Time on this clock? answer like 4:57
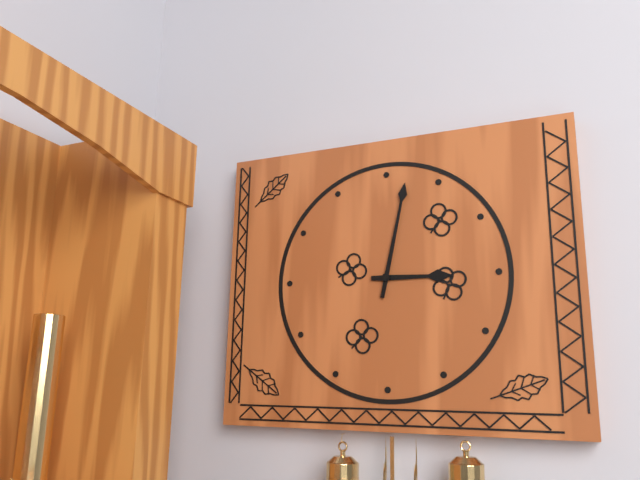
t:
3:02
